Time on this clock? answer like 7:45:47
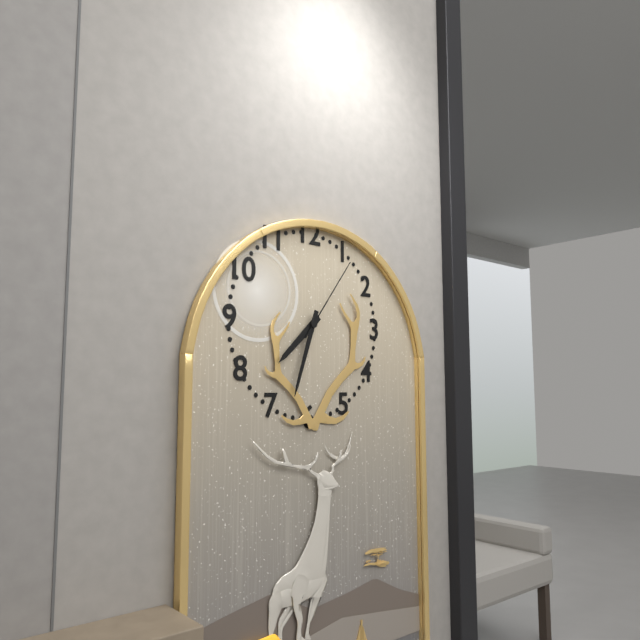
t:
7:33:06
